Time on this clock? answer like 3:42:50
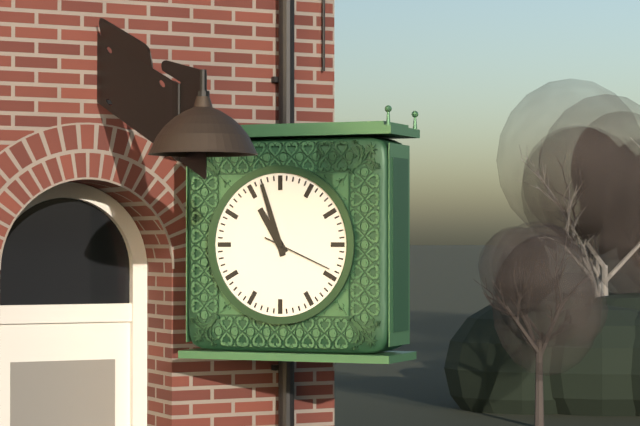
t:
10:57:19
